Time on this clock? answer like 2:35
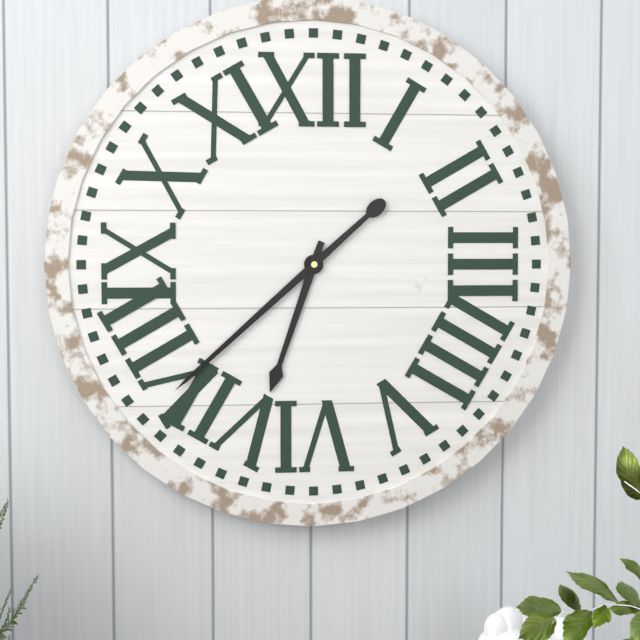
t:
6:38
